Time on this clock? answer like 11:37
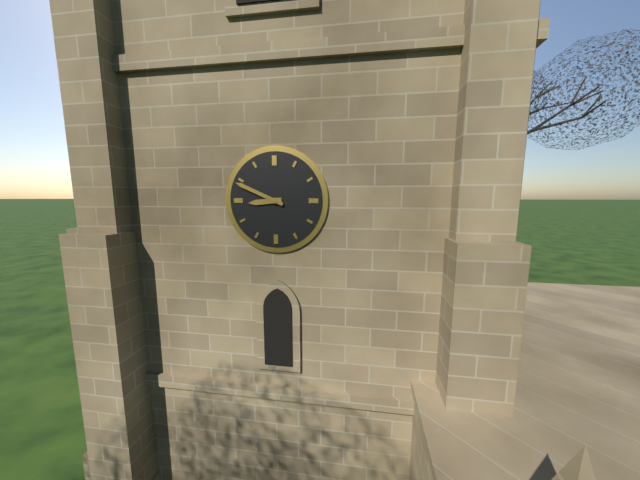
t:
8:49
